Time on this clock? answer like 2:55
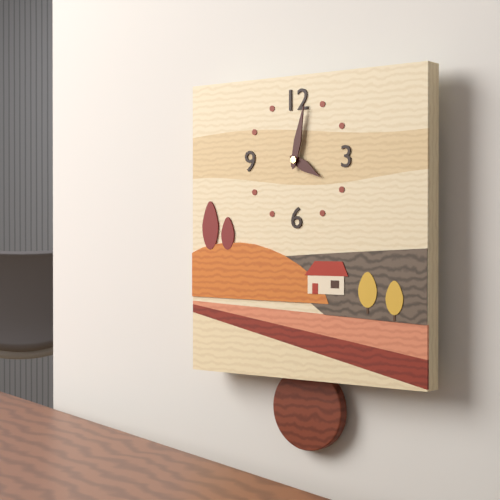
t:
4:02
